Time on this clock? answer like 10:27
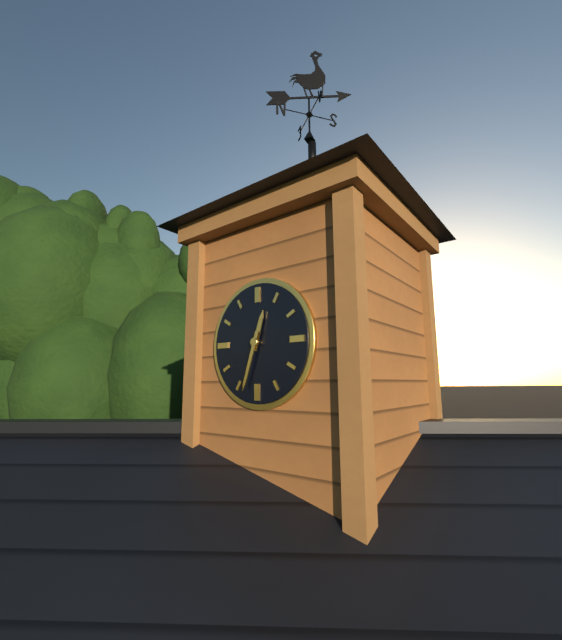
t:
12:33
